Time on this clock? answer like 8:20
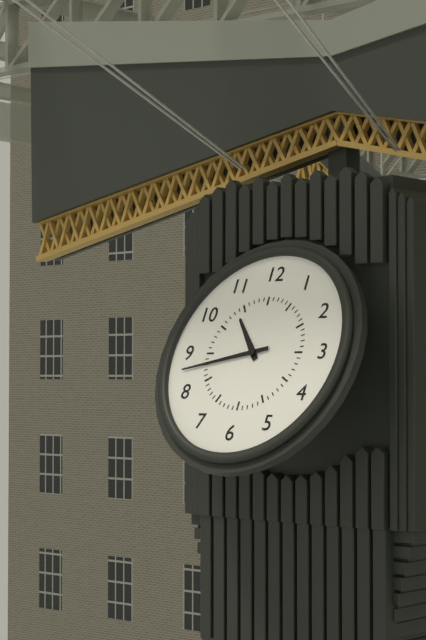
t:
10:43
